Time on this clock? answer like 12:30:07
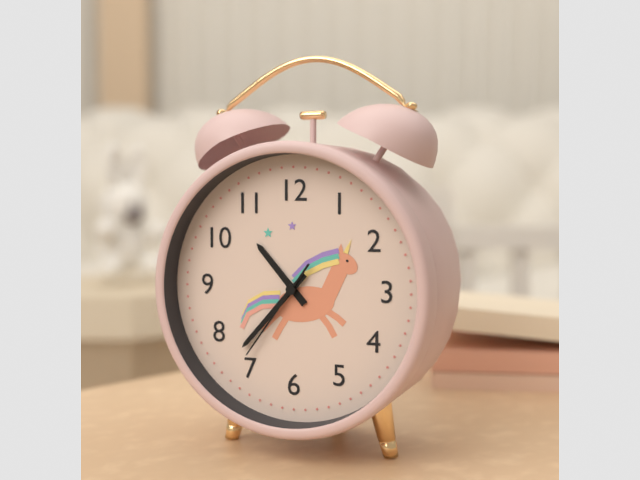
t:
10:37:36
